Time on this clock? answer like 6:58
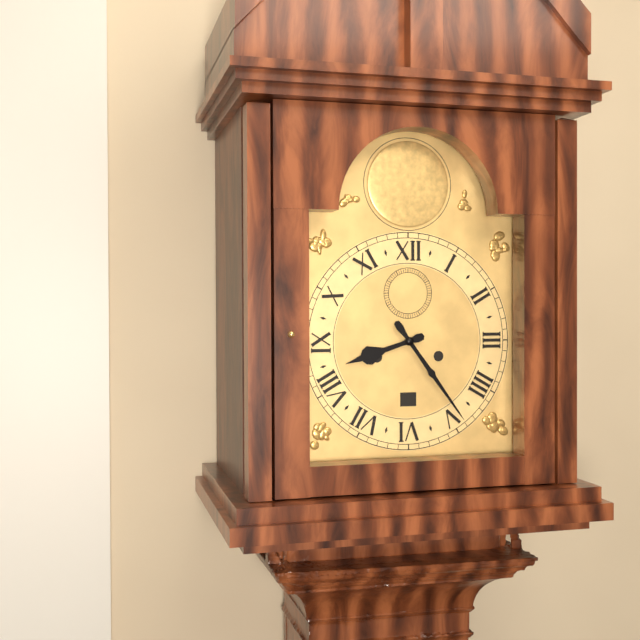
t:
8:24
